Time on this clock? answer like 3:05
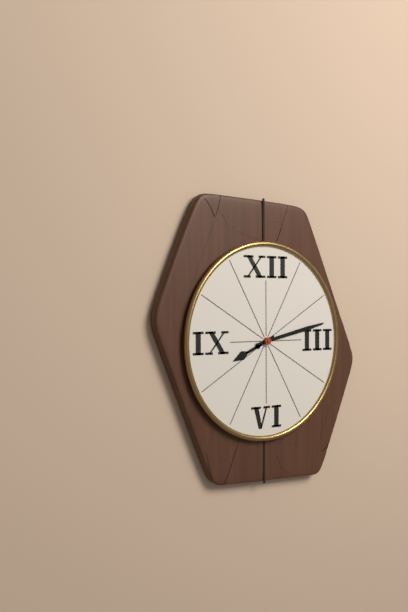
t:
8:13
